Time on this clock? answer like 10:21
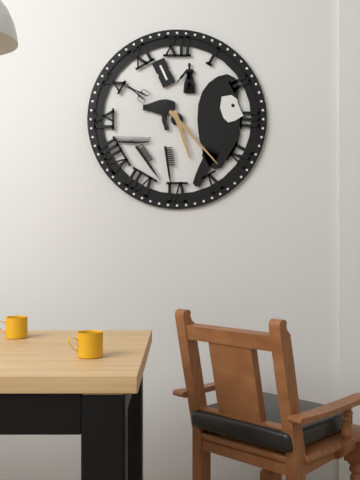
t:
5:23
